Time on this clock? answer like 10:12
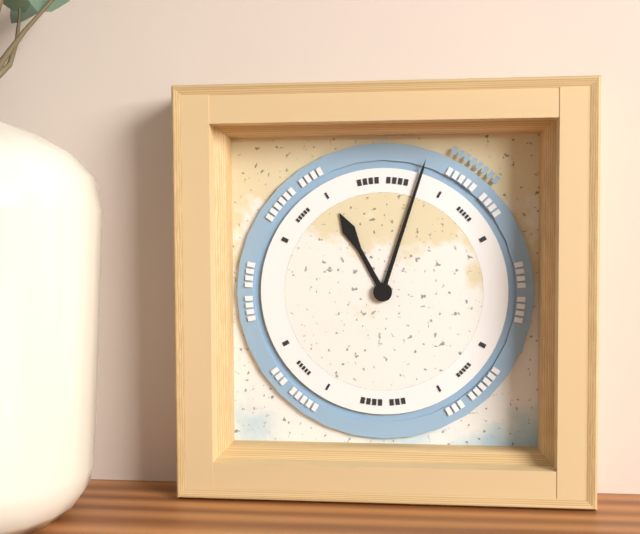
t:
11:03
